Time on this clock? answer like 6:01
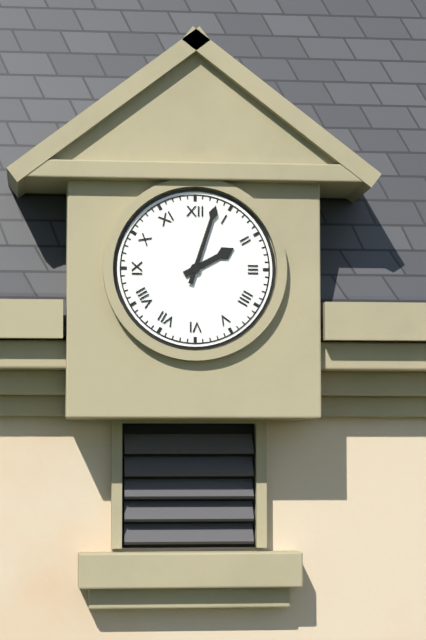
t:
2:03
